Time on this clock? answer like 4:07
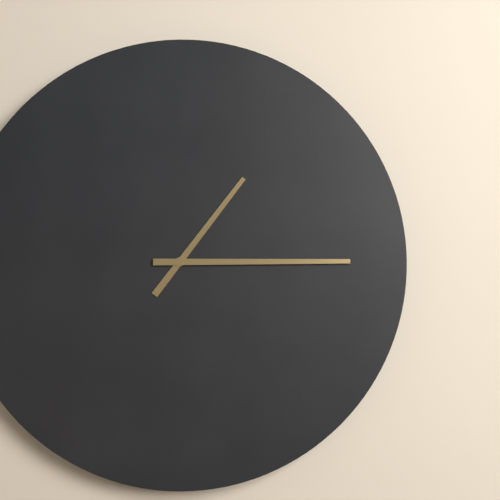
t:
1:15
